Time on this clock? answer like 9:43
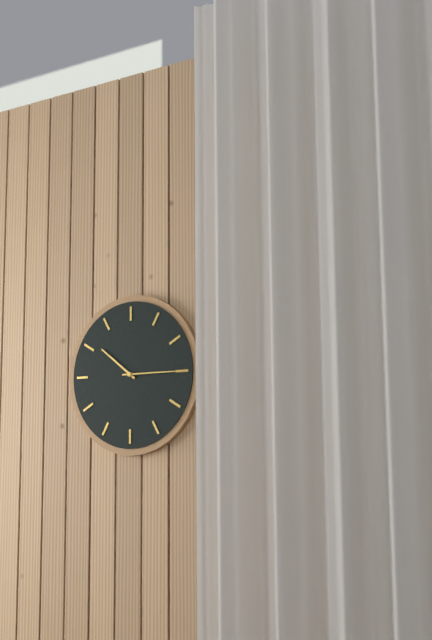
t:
10:15
